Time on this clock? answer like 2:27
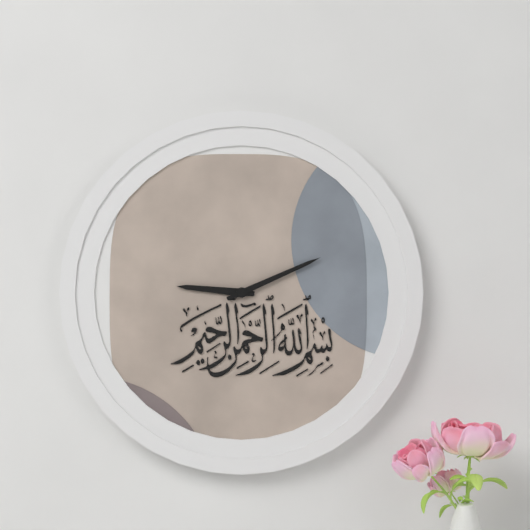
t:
9:11
